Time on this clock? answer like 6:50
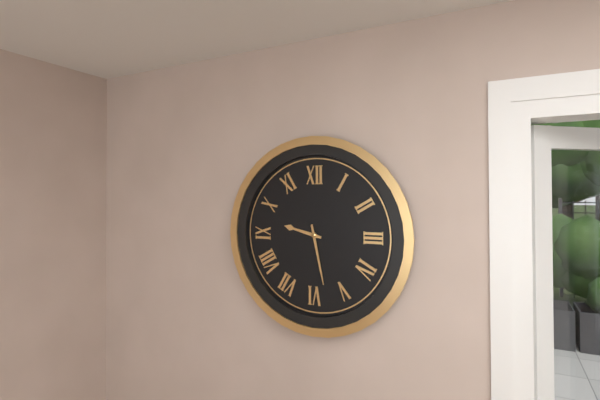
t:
9:28
